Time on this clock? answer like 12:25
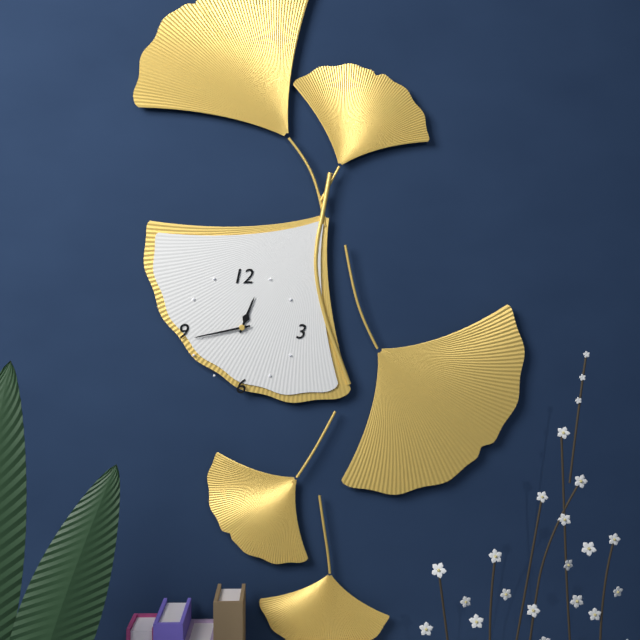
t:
12:43
